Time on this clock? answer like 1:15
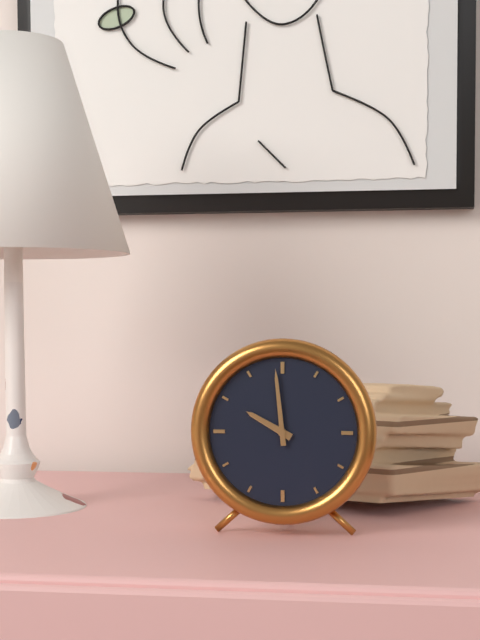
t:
9:59
